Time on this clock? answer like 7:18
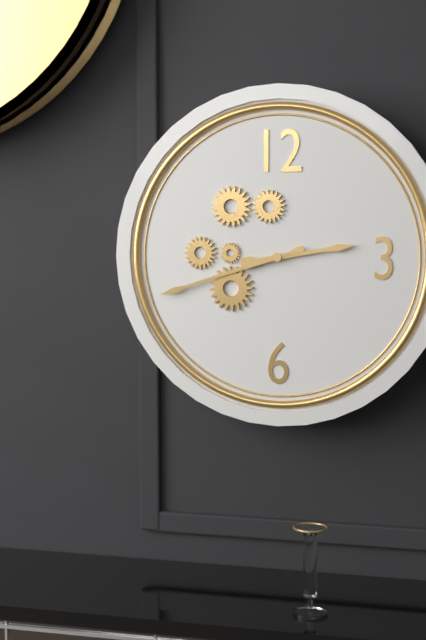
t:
2:42
